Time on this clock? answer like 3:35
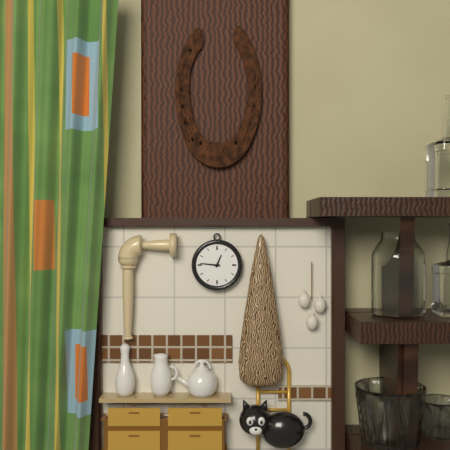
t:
12:46
